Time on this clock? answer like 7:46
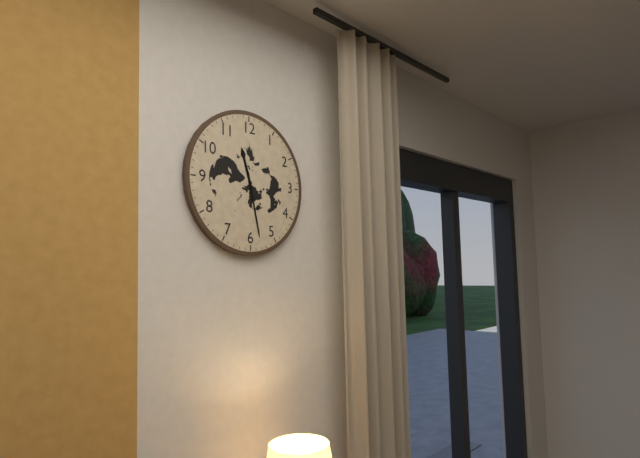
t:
11:28
